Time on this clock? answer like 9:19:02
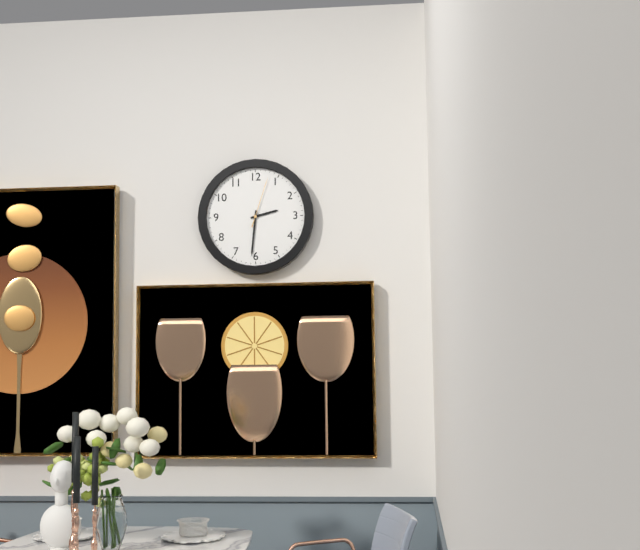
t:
2:31:03
